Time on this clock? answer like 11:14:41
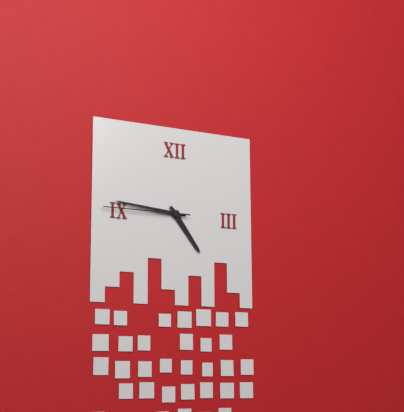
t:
4:46:45
